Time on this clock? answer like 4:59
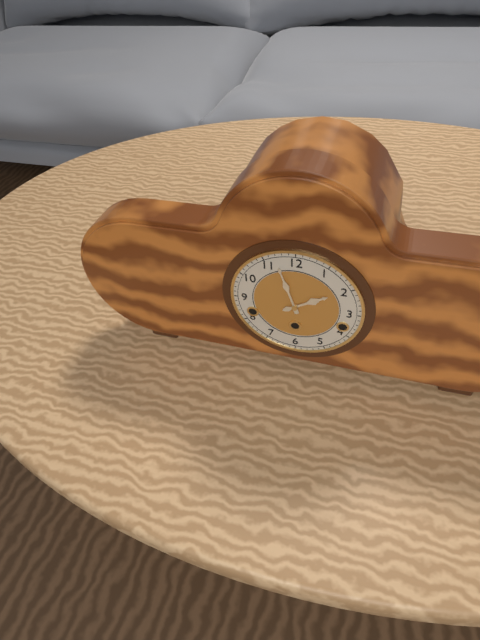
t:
1:57
